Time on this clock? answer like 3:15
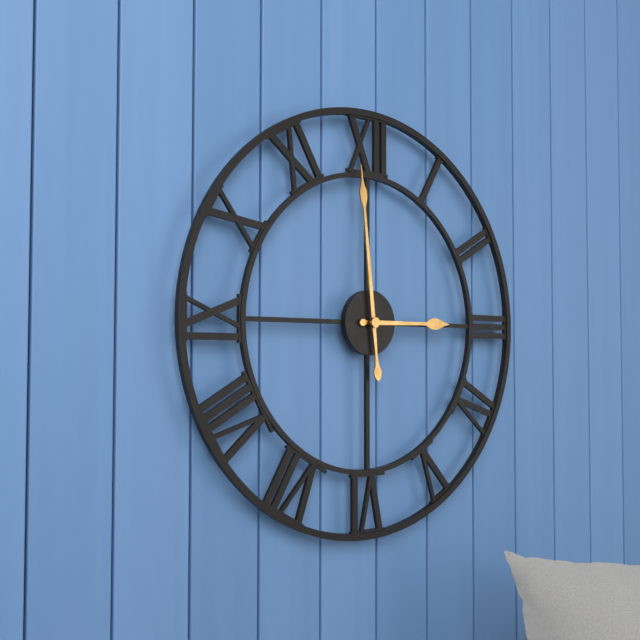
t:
2:59
